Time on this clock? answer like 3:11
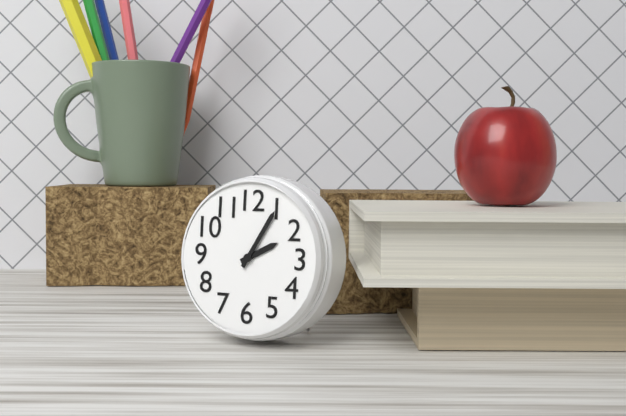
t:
2:05
